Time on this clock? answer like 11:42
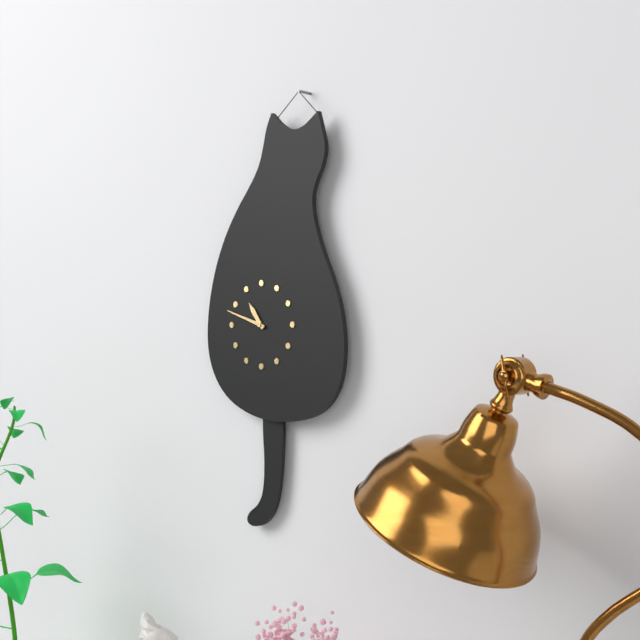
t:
10:48
